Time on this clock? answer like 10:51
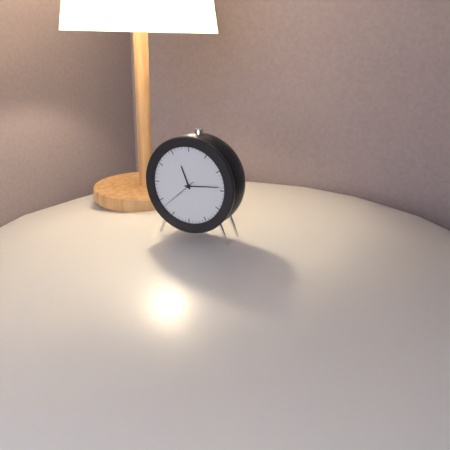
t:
11:14
